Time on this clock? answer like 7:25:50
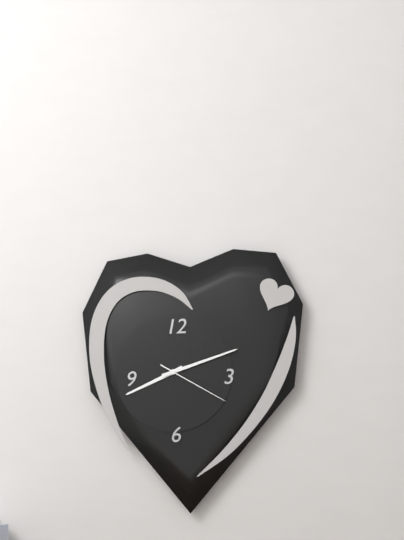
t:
8:12:20
